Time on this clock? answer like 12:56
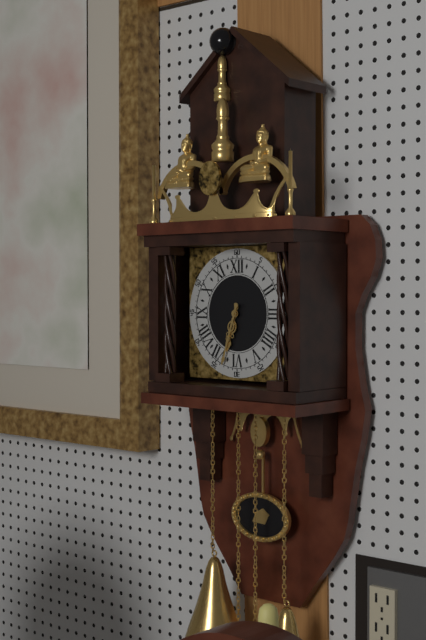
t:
6:33
